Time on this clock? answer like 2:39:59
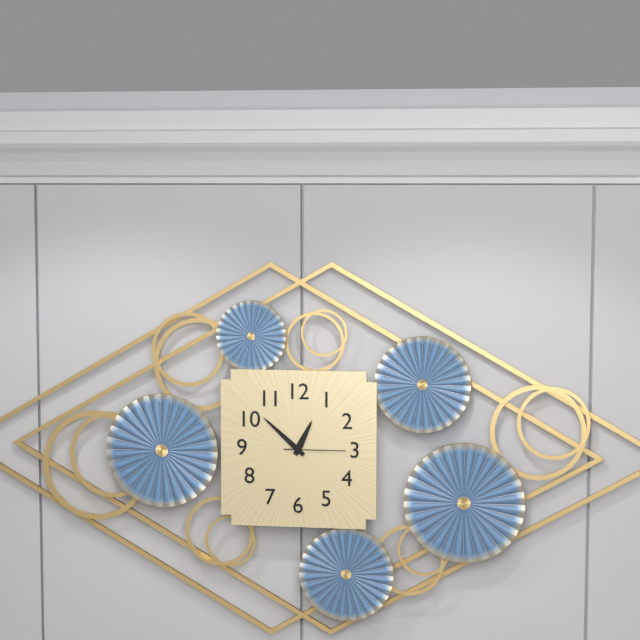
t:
12:52:15
